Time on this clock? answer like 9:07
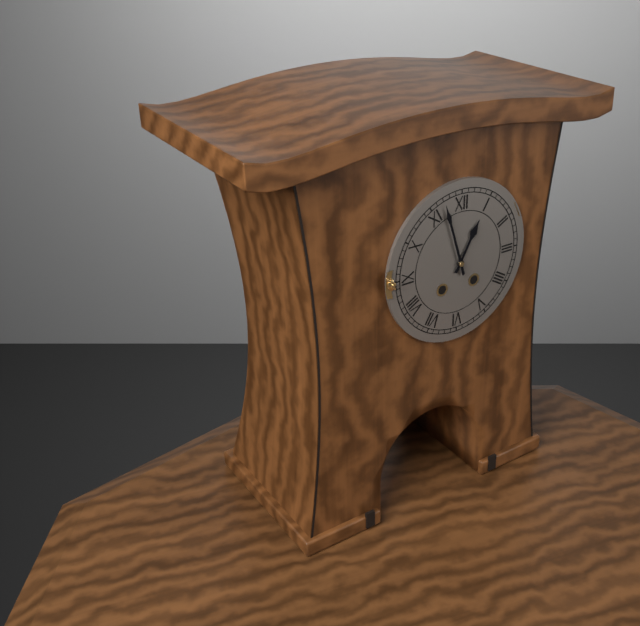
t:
12:57
